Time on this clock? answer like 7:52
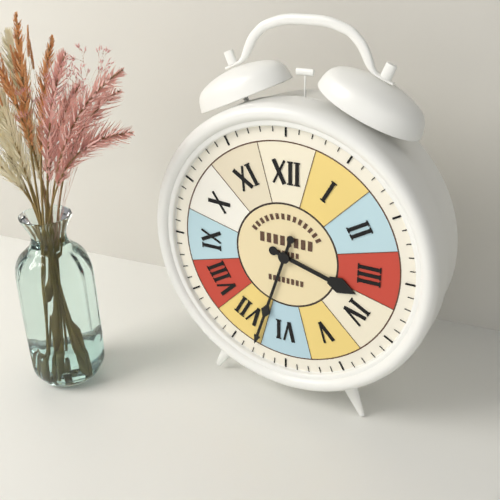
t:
3:33
